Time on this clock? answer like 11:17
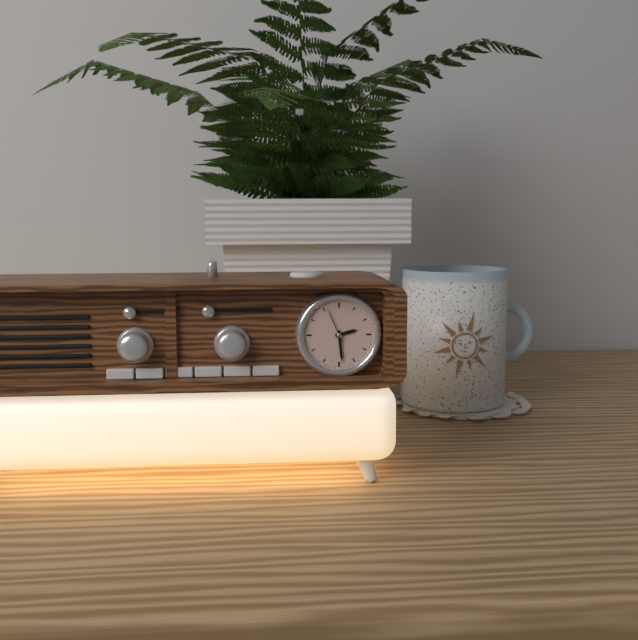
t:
2:29
